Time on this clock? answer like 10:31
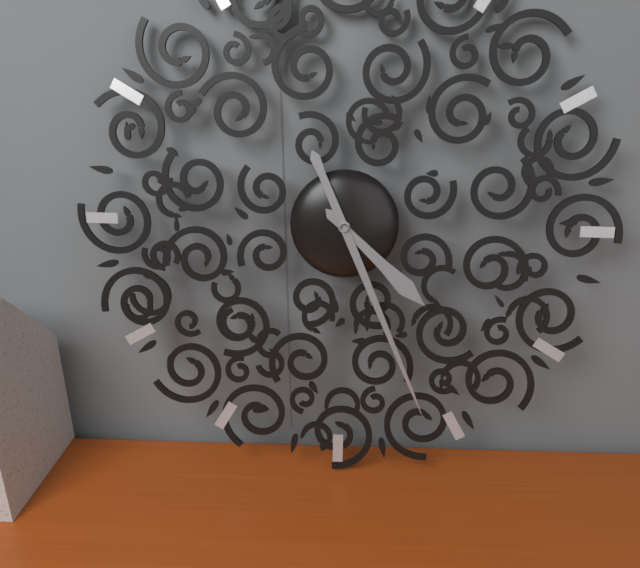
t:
4:26
